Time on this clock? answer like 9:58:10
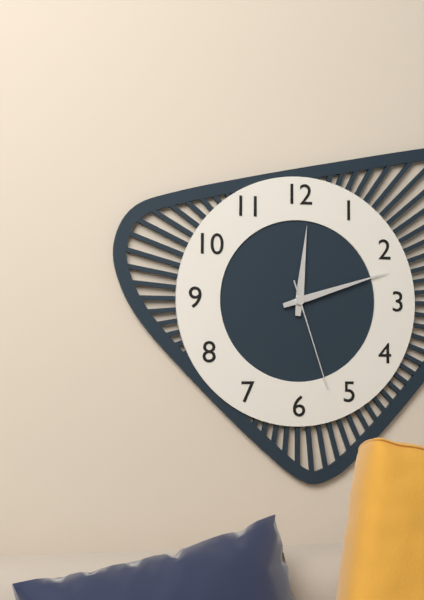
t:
12:12:27
